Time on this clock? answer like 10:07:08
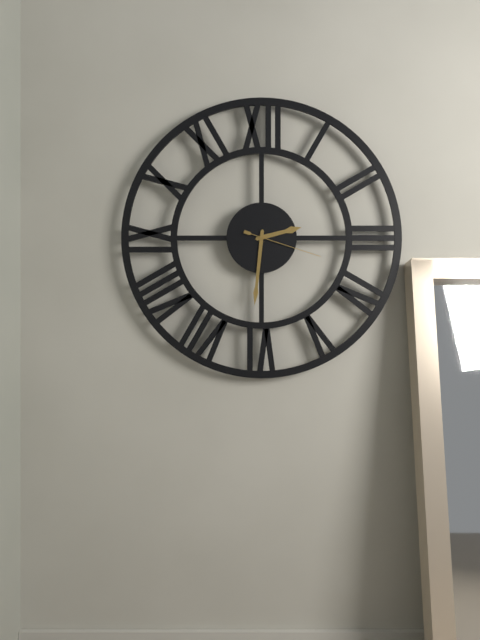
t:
2:31:18
